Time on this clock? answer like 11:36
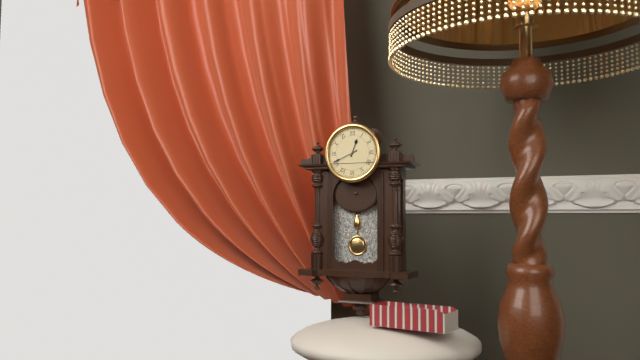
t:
12:41
